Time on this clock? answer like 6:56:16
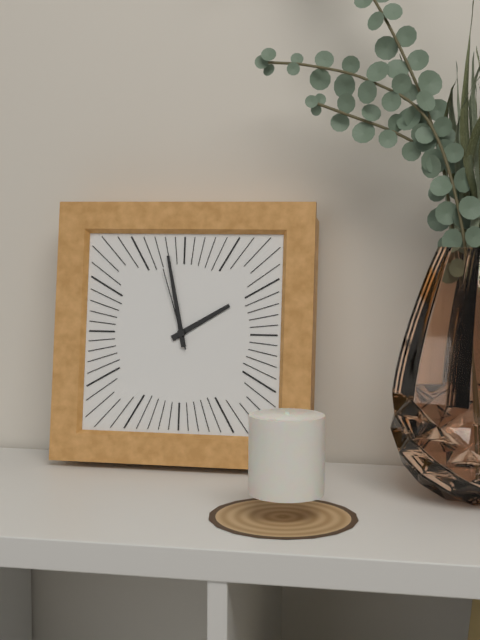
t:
1:58:57
